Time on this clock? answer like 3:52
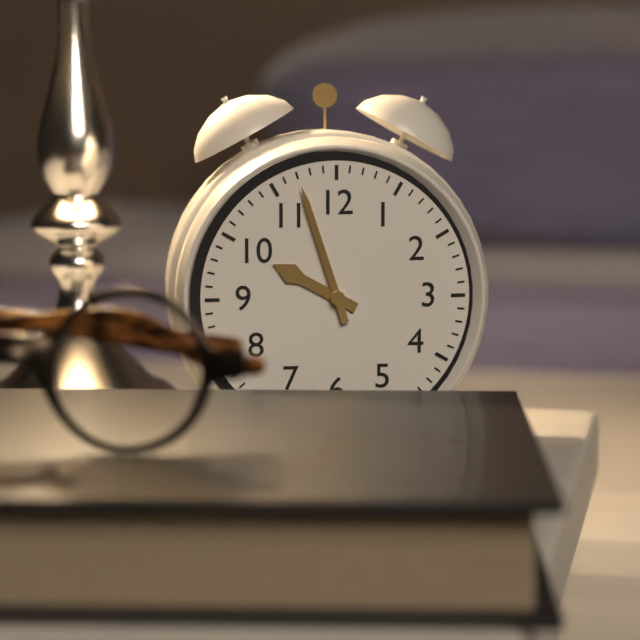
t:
9:57
